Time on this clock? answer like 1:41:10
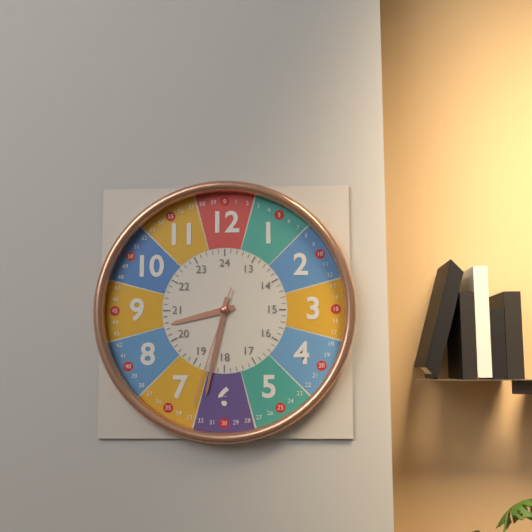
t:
8:32:33
